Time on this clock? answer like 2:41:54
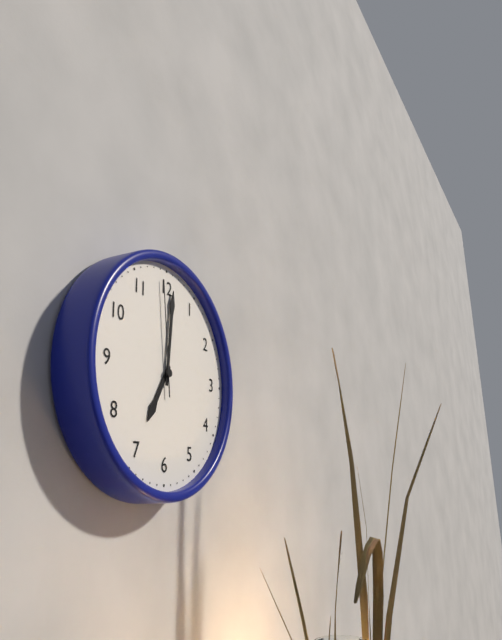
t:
7:01:59
